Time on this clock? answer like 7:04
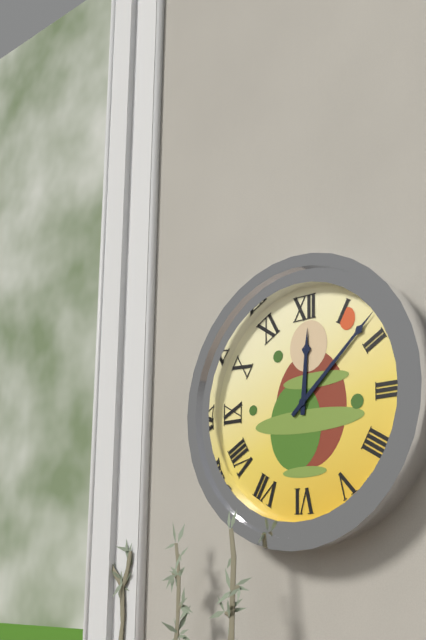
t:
12:08
